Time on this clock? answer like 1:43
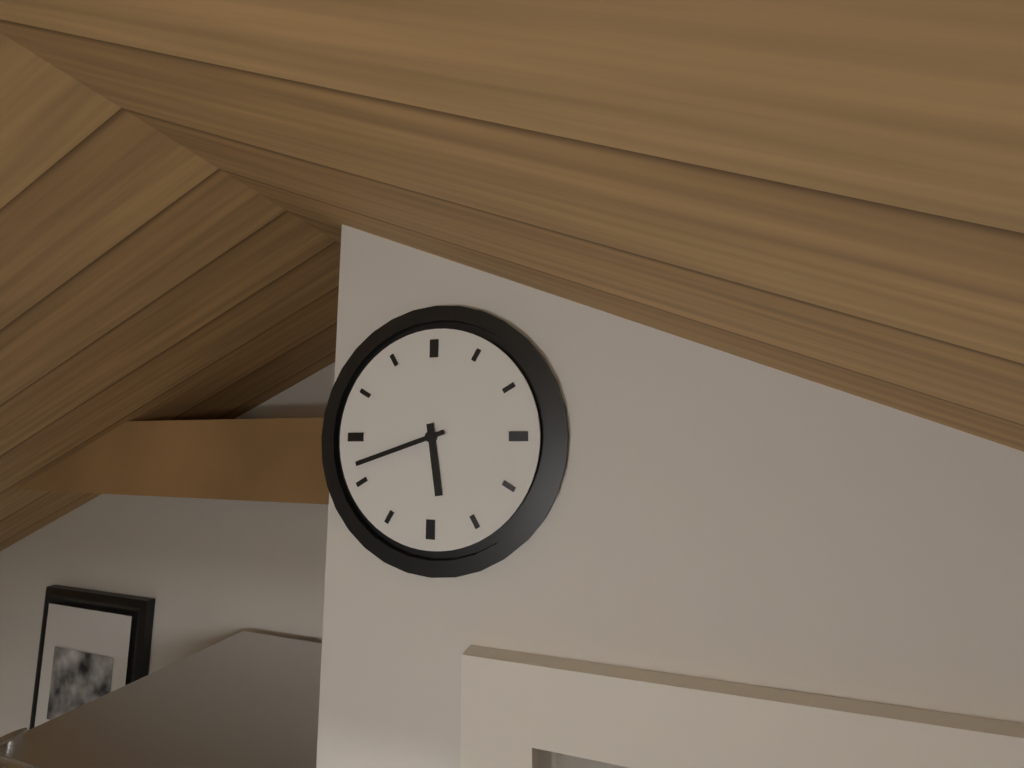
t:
5:42
